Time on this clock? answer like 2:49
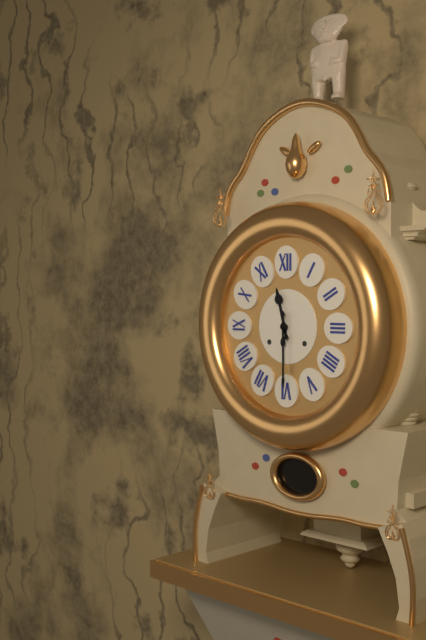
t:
11:30
